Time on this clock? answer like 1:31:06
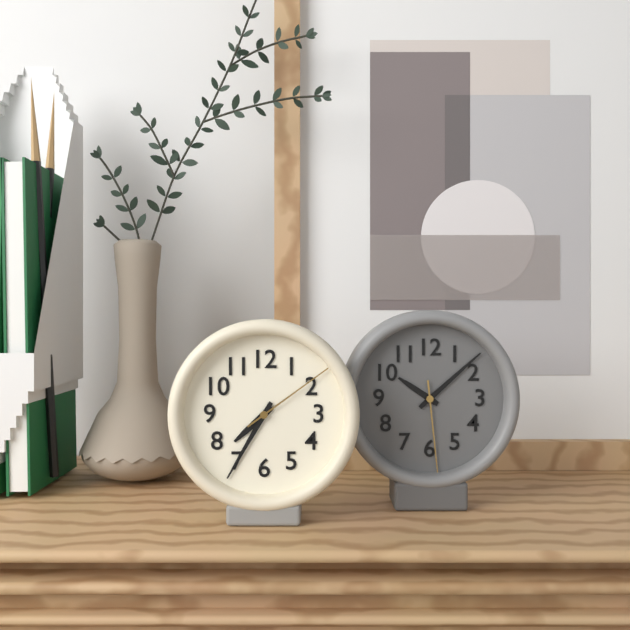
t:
7:35:09
